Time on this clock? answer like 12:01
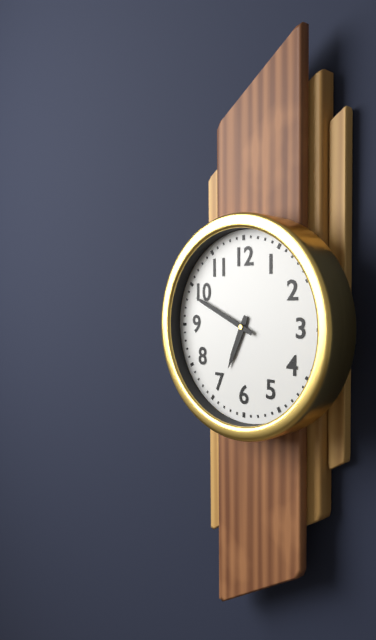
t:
6:49
